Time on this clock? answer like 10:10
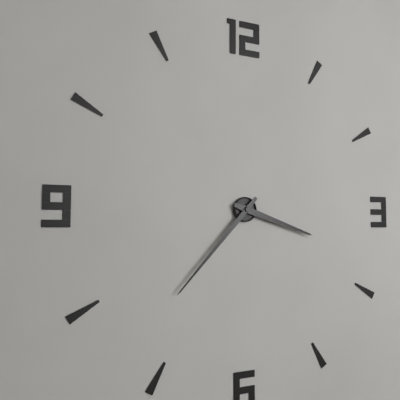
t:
3:37
